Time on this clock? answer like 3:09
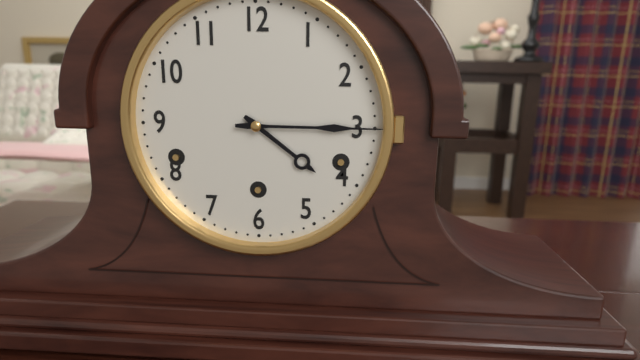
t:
4:15
